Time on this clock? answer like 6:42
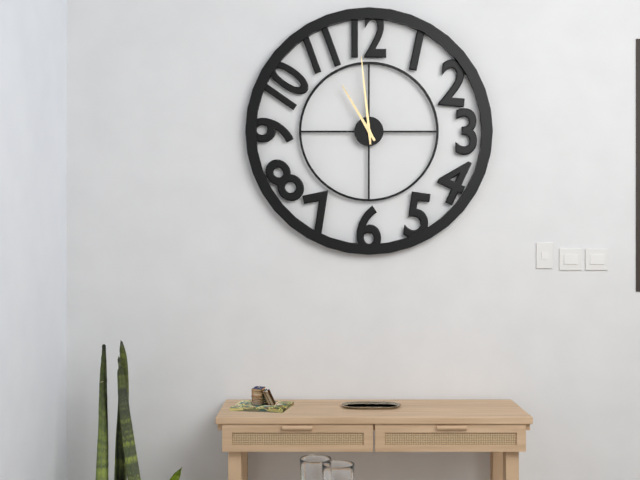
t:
10:59
